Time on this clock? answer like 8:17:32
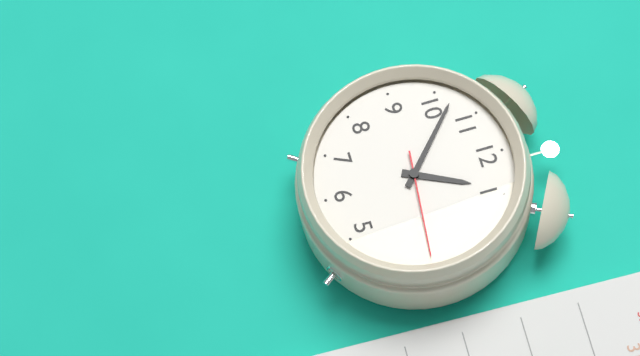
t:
12:52:16
